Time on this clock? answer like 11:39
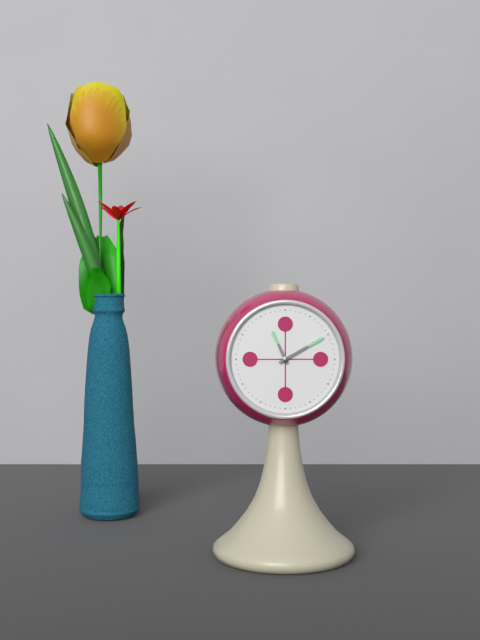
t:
11:10
